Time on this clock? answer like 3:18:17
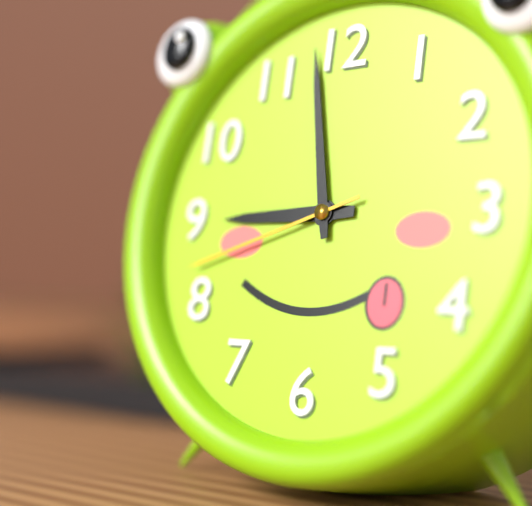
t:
8:58:42
